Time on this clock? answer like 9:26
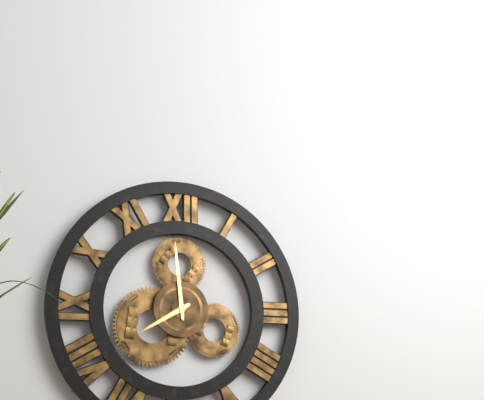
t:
7:59
